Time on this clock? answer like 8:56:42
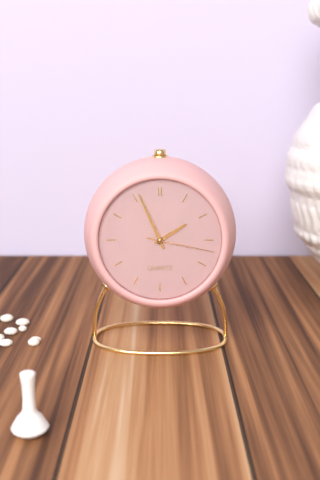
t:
1:56:17
